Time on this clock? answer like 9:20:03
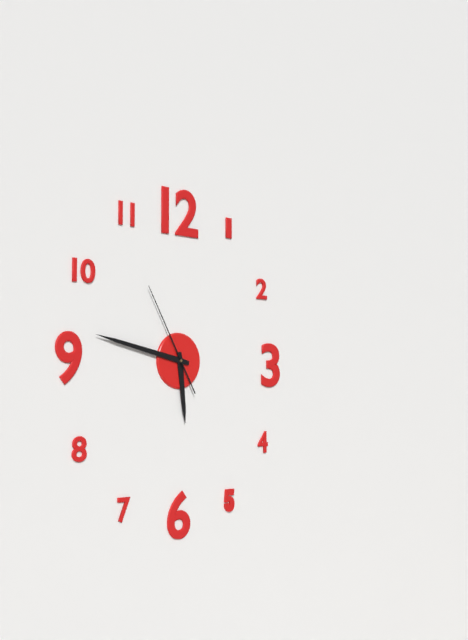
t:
5:47:55
